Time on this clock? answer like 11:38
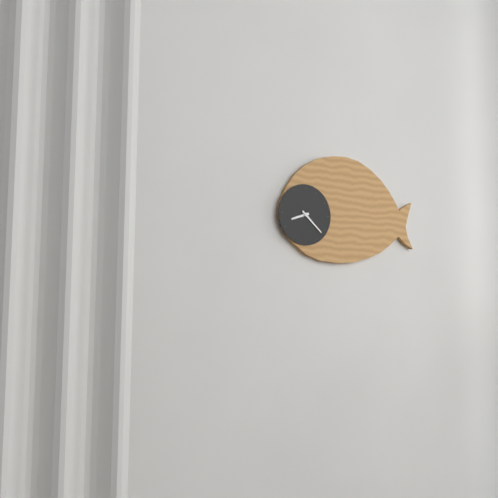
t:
8:22
